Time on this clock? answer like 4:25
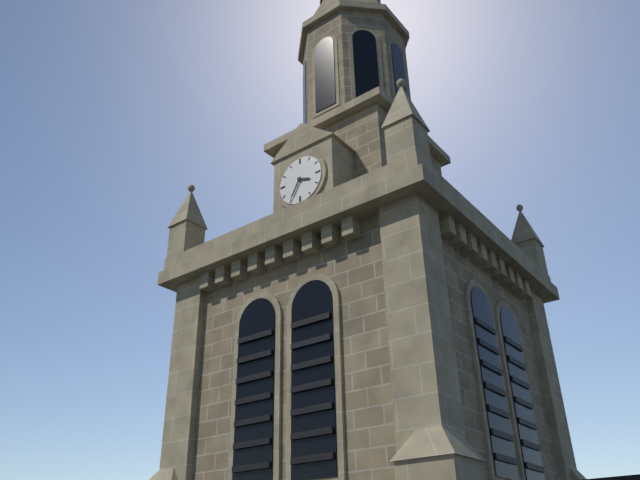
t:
3:35
